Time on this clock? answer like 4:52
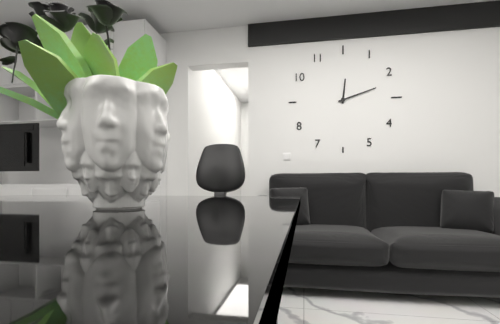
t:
12:12
